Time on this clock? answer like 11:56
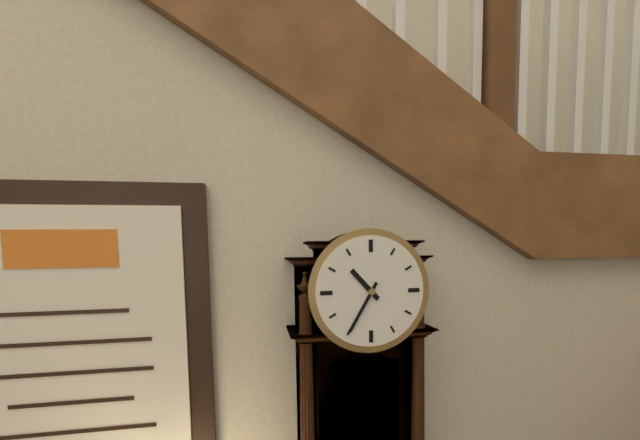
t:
10:35
